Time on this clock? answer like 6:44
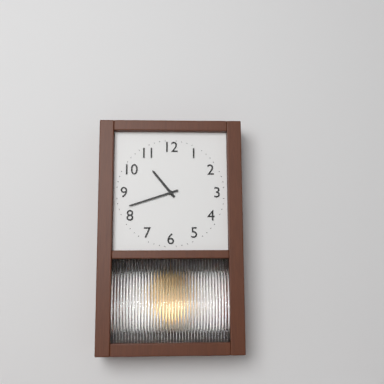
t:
10:42
